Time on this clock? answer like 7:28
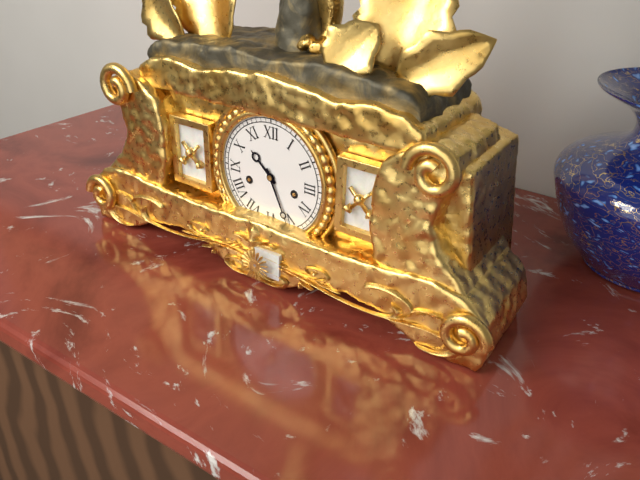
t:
10:26
